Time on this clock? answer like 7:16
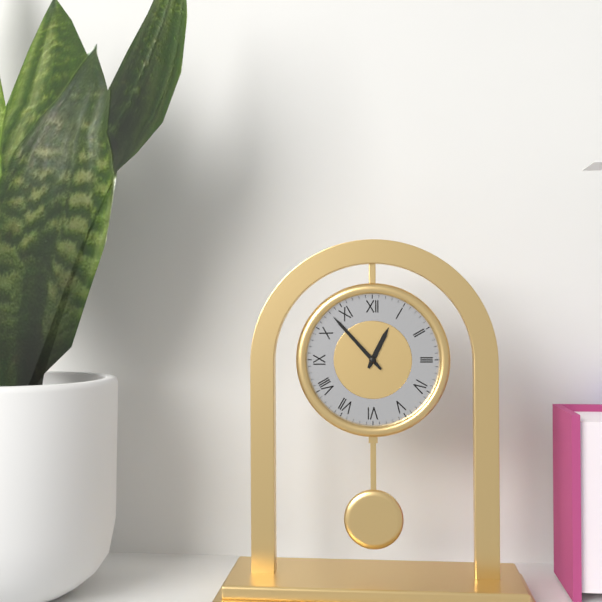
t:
12:53
